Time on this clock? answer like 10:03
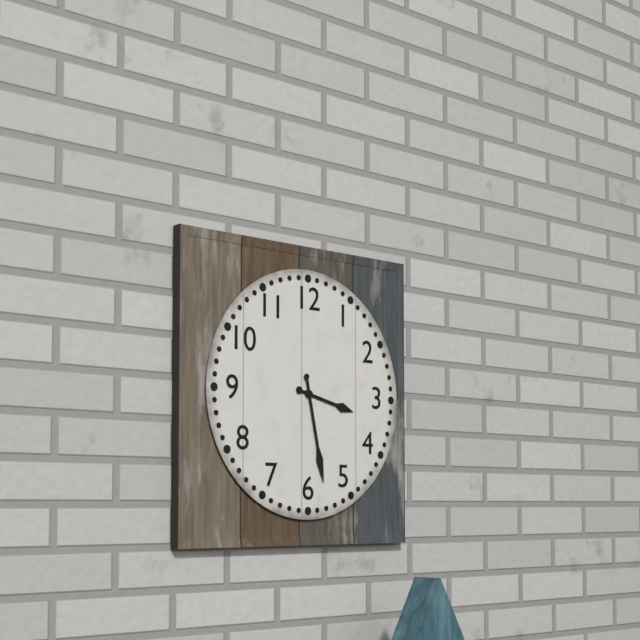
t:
3:28
